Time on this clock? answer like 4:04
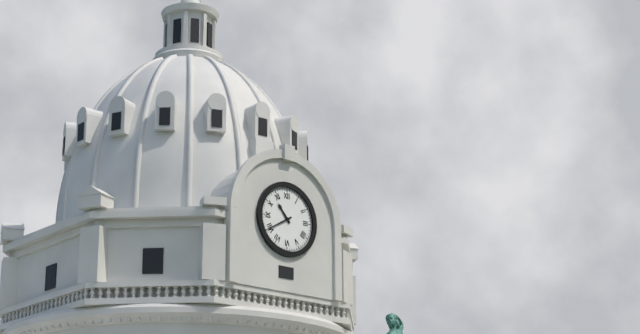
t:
10:40
